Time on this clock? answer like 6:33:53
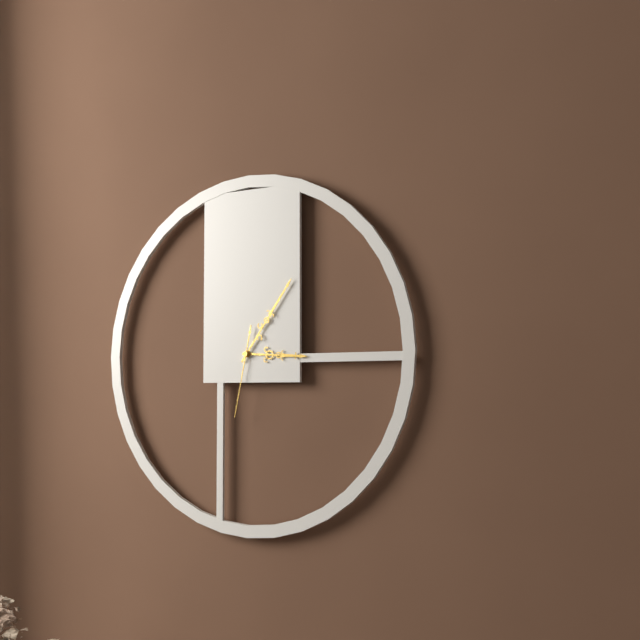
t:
3:06:32
